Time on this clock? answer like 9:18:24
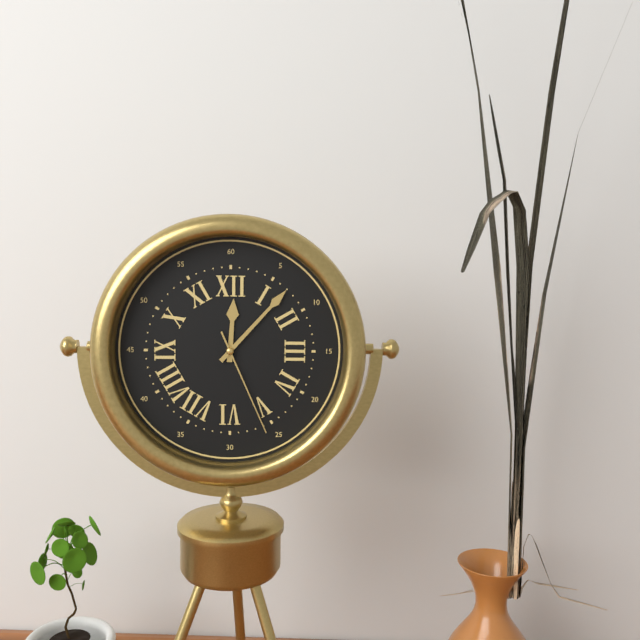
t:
12:07:26
